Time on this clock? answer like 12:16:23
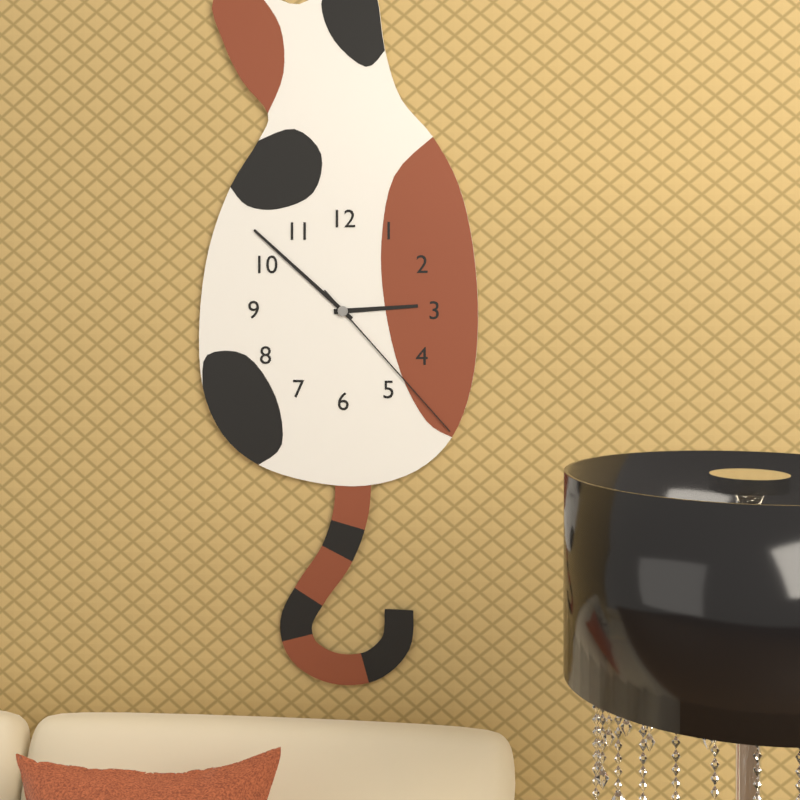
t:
2:52:23
